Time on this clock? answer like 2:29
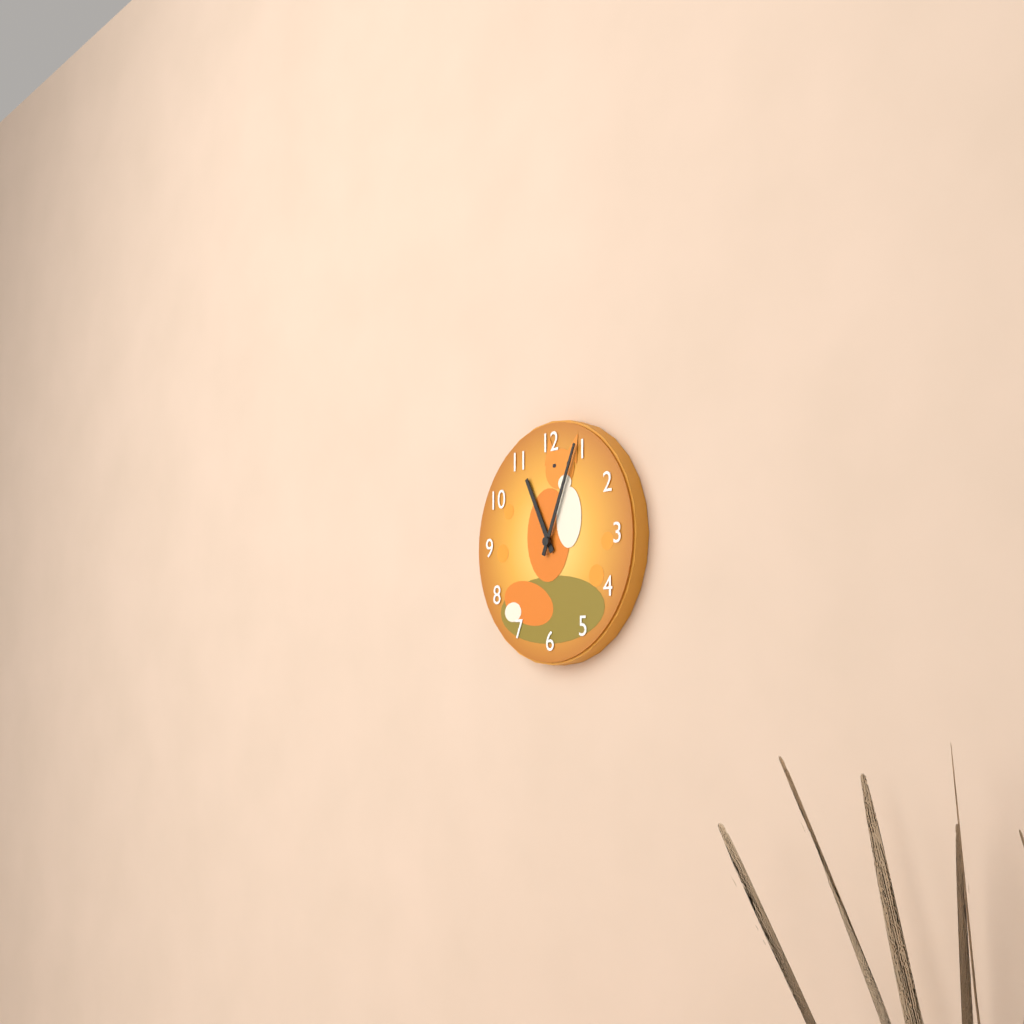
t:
11:04
